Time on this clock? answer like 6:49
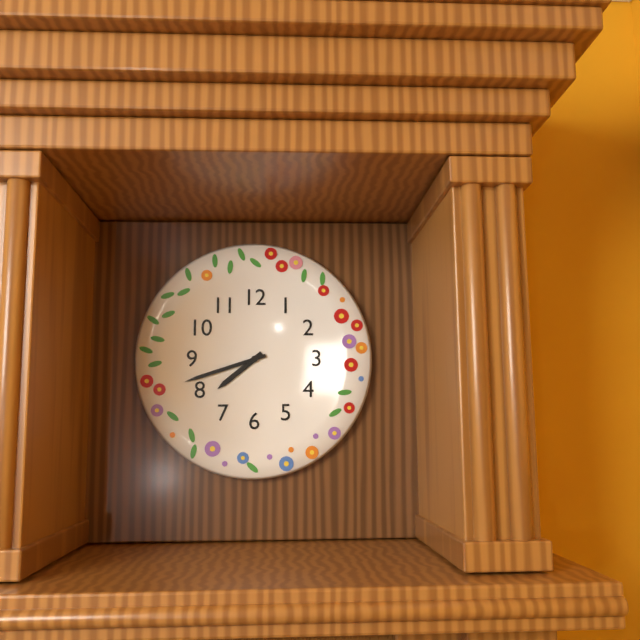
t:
7:42
